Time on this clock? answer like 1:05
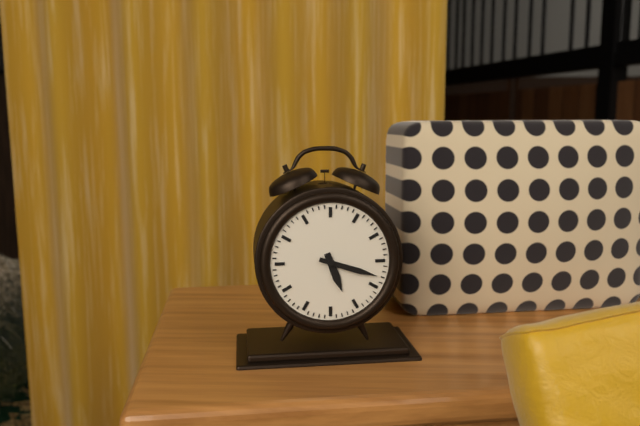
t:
5:18
